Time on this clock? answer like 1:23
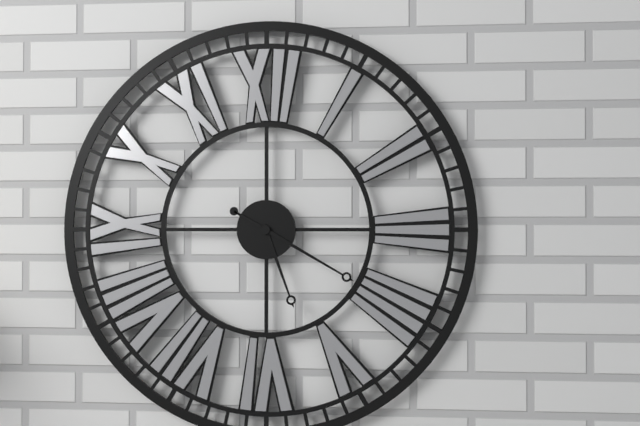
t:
5:20
